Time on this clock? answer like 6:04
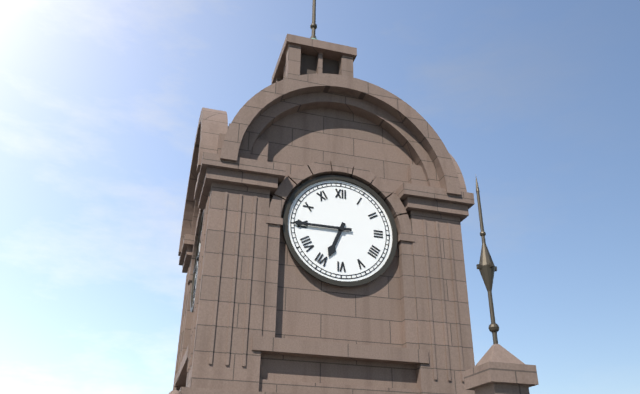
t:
6:45
